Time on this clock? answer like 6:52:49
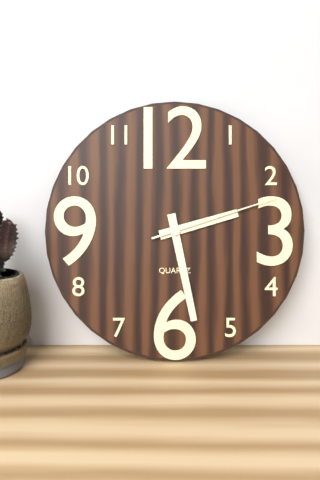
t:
2:28:12
